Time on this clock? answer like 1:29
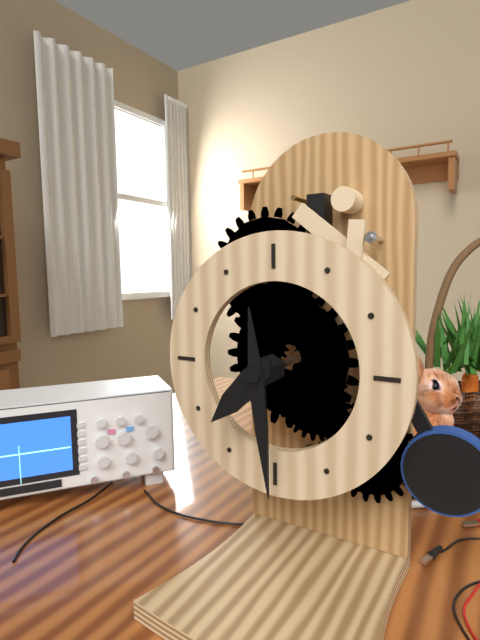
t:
7:29
